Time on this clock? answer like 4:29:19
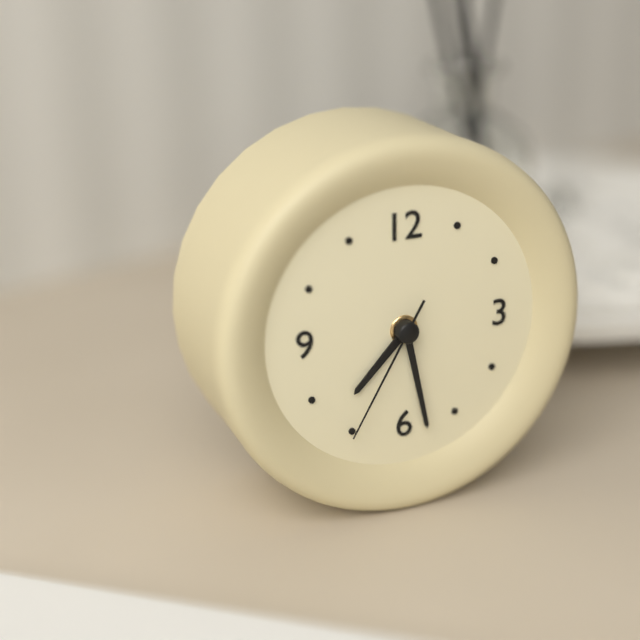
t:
7:28:35
